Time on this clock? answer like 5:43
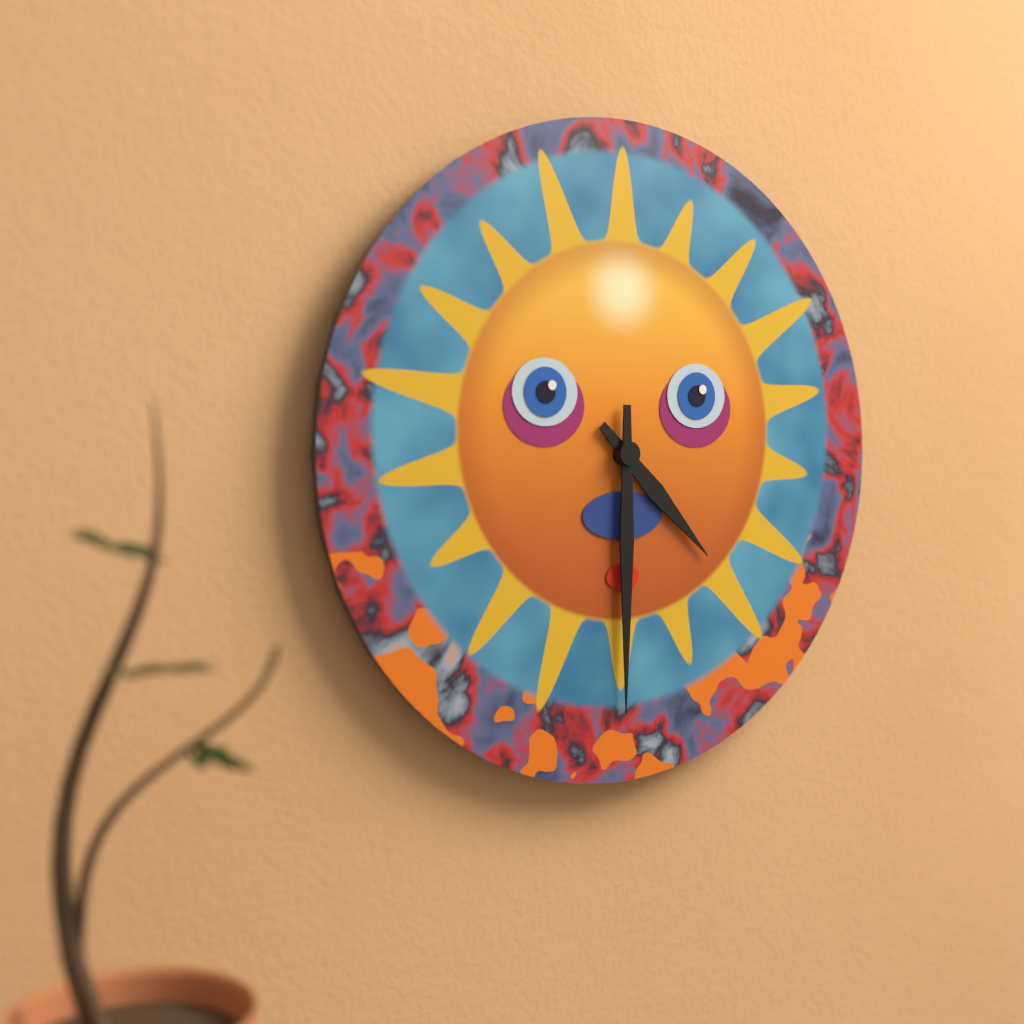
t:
4:30
